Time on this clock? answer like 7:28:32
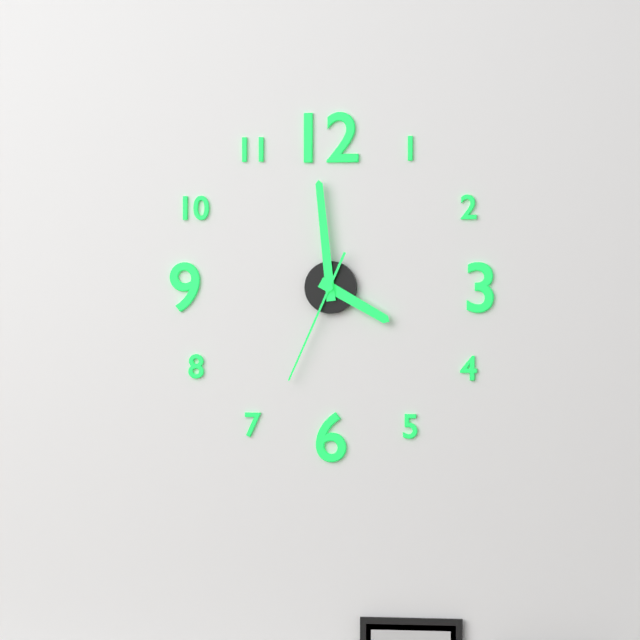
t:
3:59:34
